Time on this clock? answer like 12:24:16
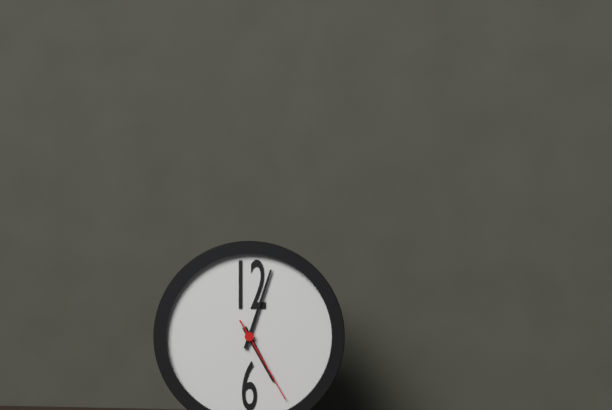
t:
5:03:25
